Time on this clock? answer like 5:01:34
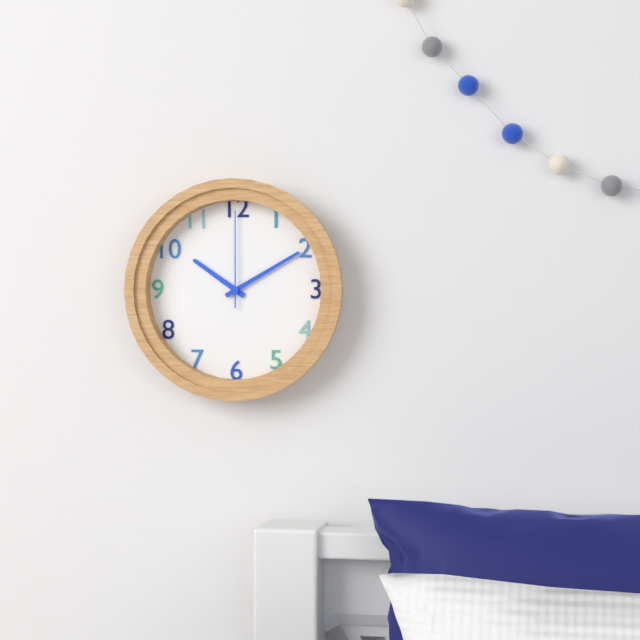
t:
10:10:00
